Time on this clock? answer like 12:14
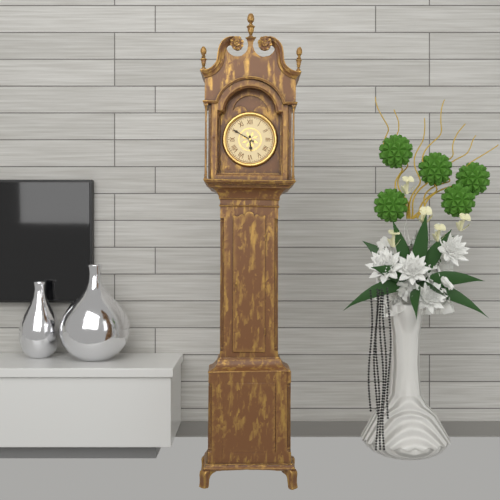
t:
5:50
